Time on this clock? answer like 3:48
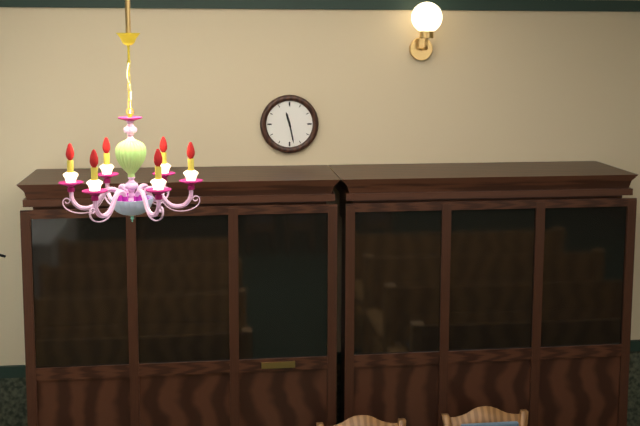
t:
11:28
